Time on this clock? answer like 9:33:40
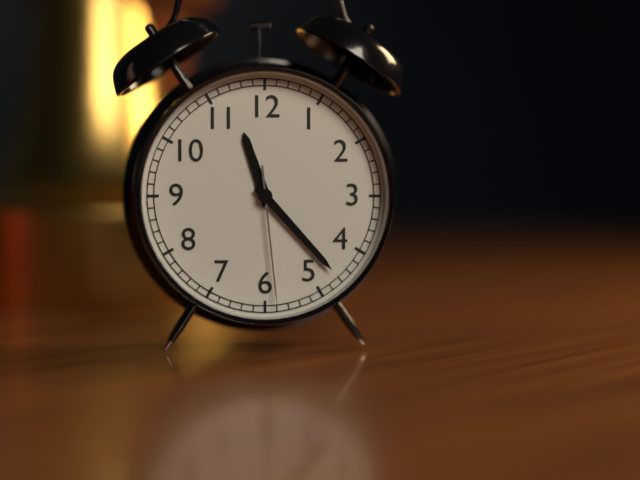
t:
11:23:29
